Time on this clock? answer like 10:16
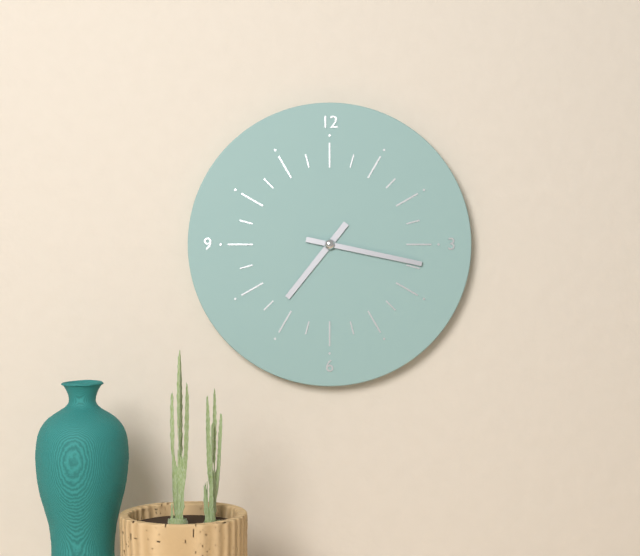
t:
7:17
